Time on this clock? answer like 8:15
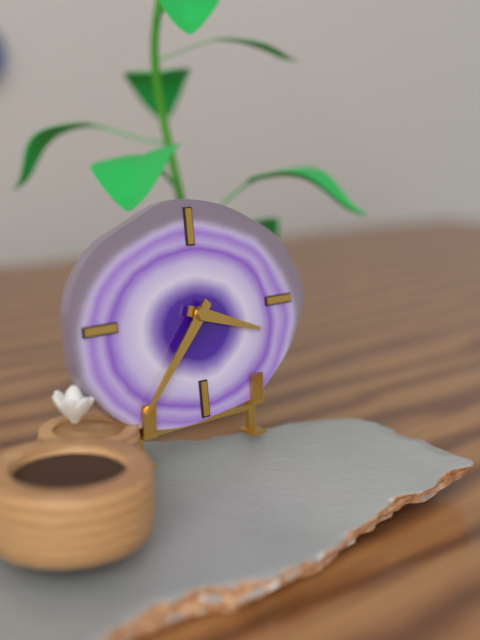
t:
3:37
